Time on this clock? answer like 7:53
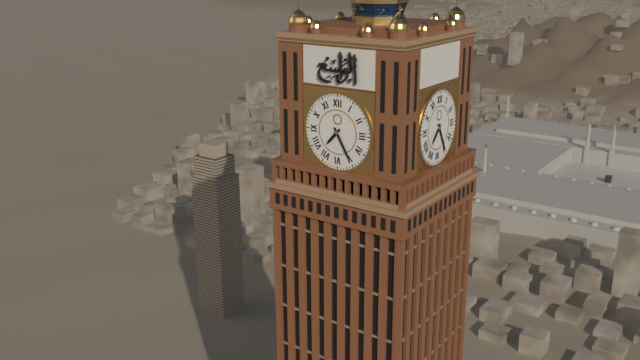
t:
7:25
